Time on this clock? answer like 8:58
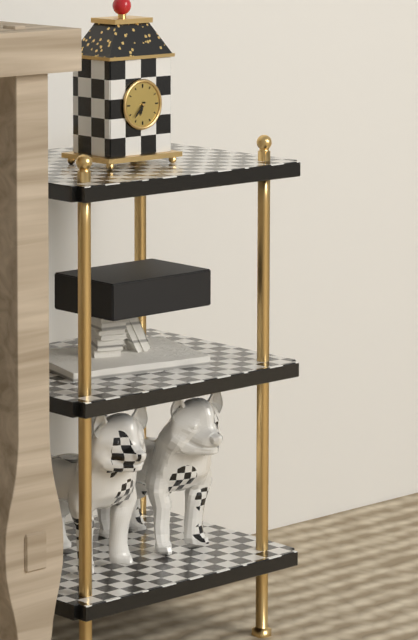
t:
6:37
